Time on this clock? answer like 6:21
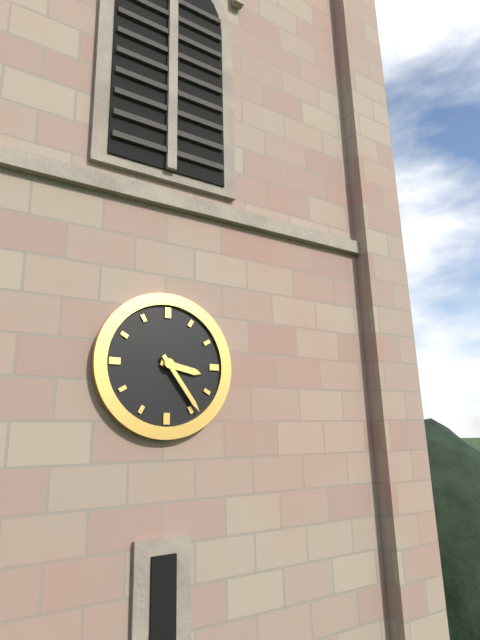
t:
3:24
